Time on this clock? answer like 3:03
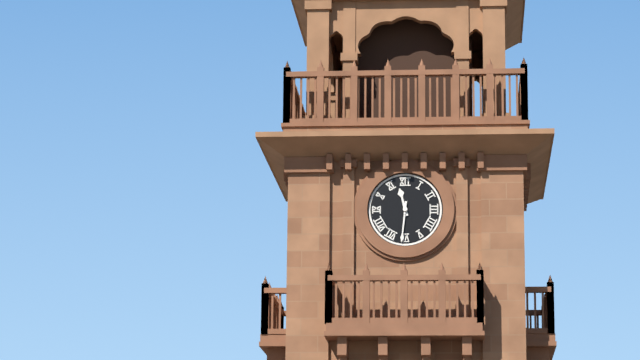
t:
11:31
